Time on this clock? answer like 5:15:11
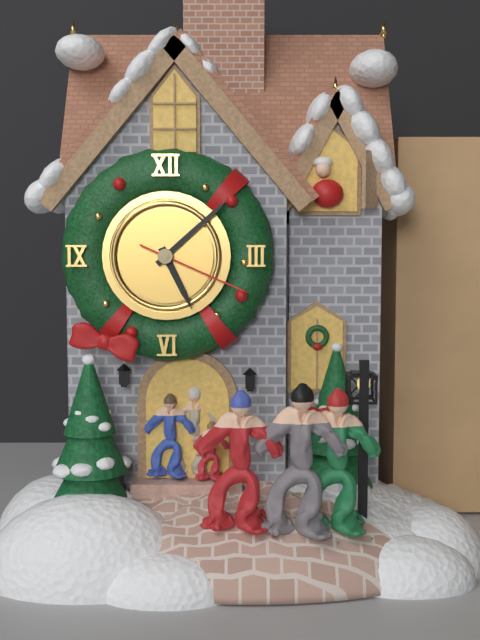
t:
5:08:19
